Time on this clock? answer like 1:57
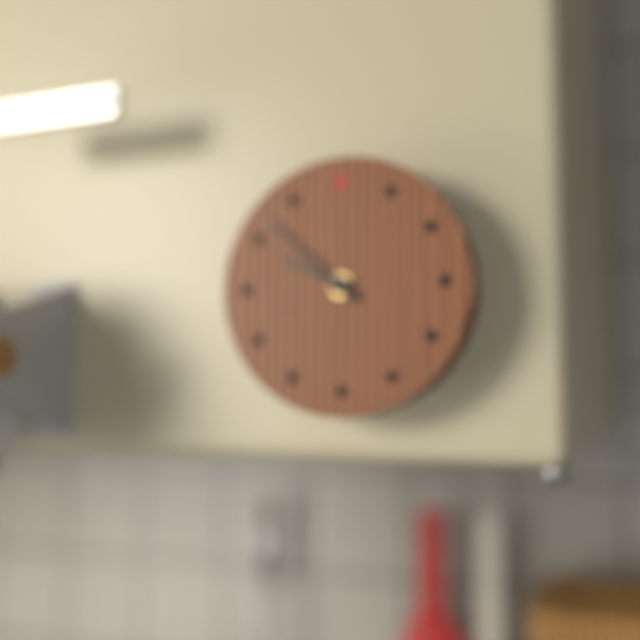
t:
9:52
